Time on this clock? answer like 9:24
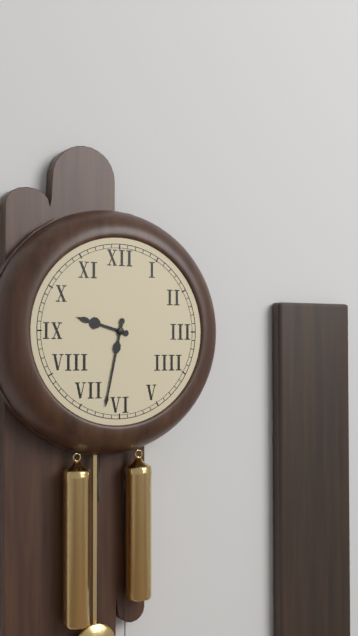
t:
9:32
